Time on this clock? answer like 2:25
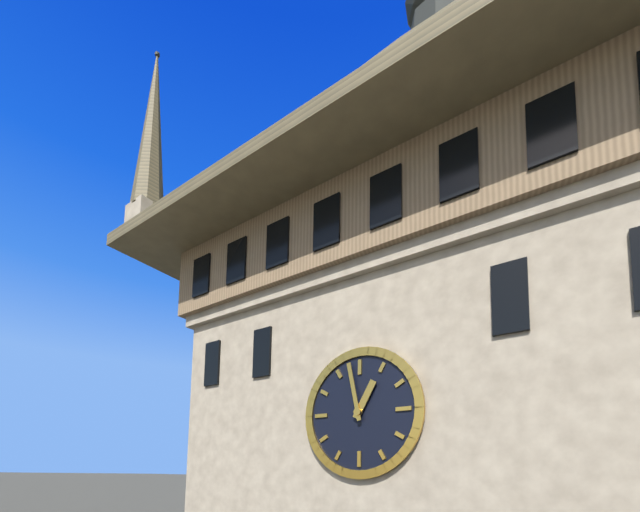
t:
12:58
